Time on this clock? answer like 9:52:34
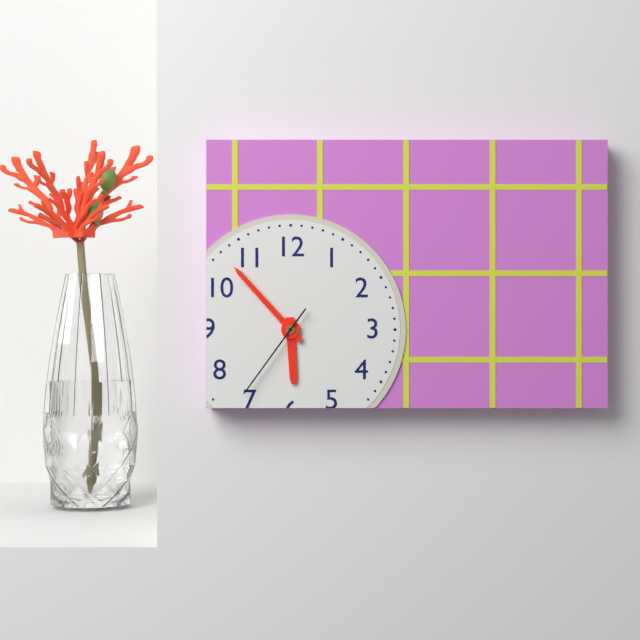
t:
5:53:36
